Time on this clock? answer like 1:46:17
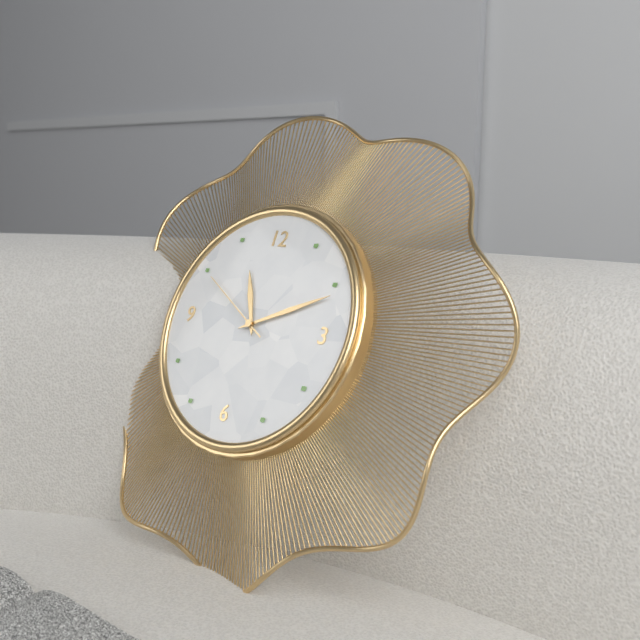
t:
11:11:50
